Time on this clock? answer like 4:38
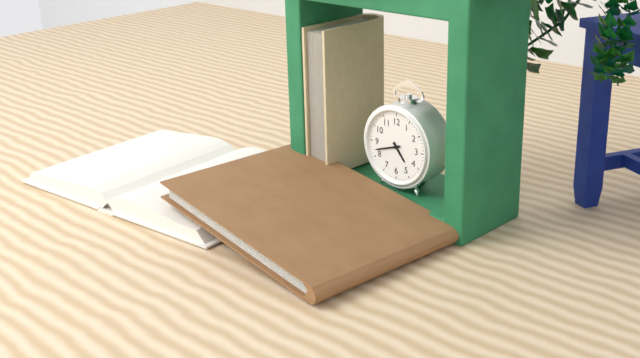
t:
4:42
